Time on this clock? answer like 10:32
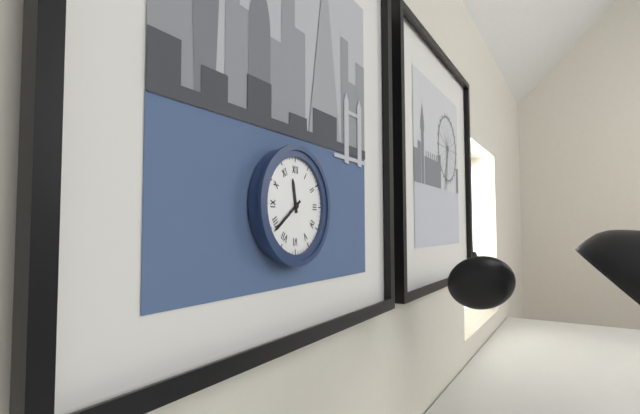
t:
11:39
